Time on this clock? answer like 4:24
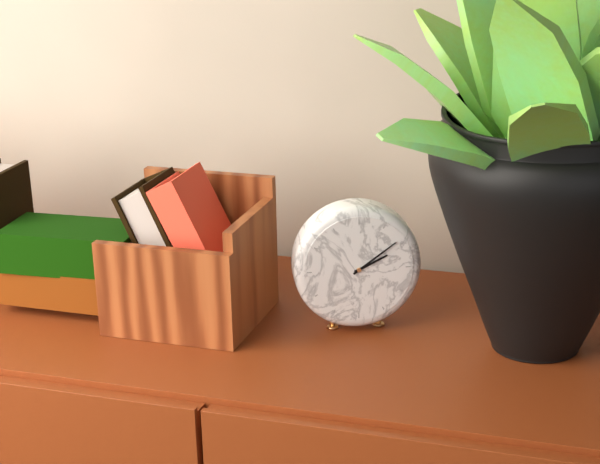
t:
2:09
